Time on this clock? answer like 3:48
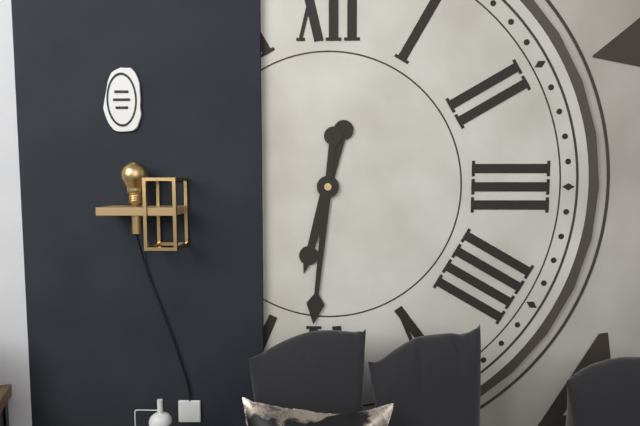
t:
6:31
